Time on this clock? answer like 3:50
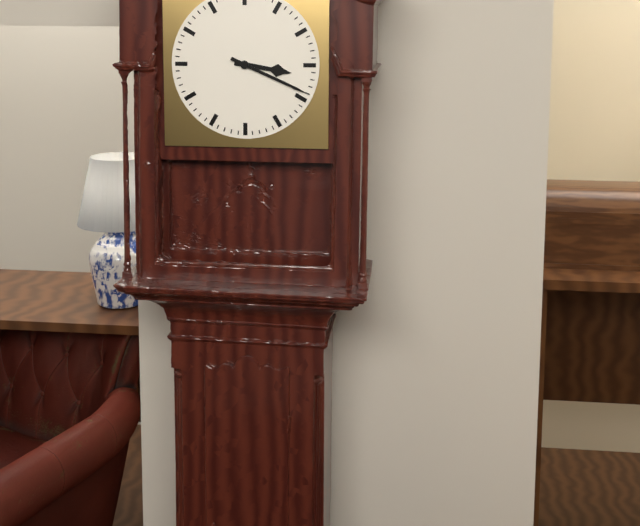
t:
3:19
